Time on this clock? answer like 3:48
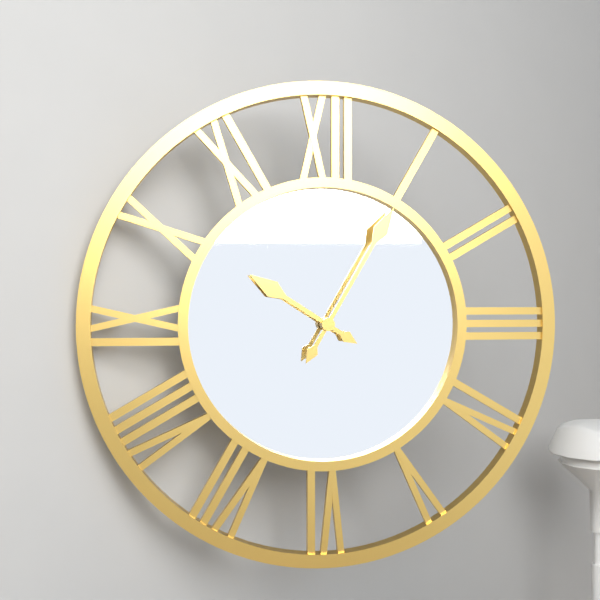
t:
10:05
